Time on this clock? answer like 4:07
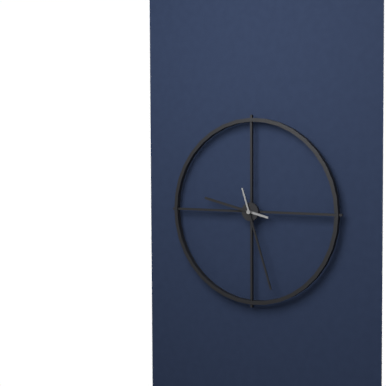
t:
9:27
